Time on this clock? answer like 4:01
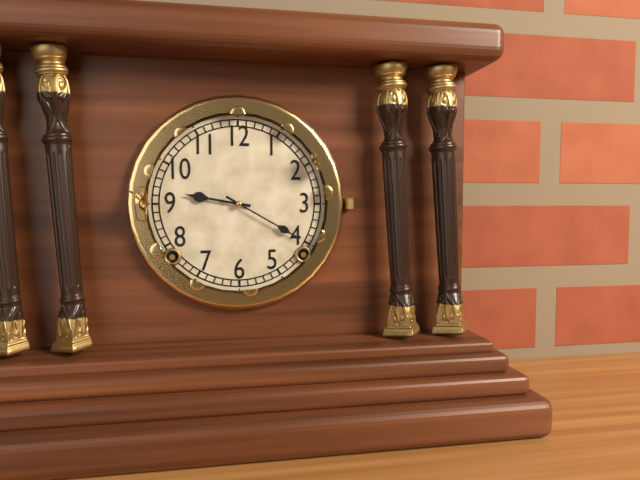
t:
9:20
